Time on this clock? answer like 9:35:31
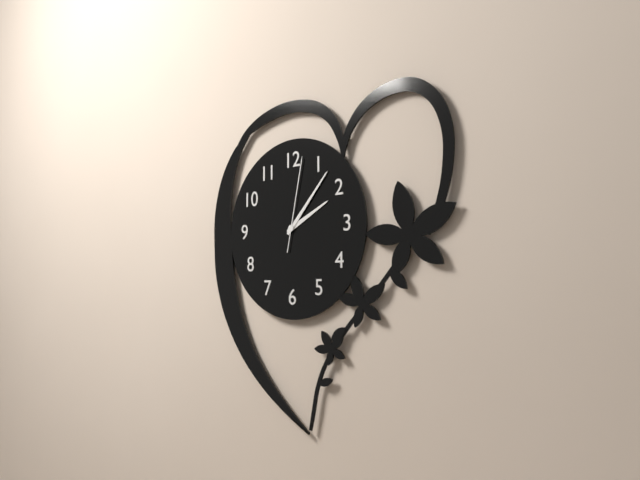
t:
2:07:02
